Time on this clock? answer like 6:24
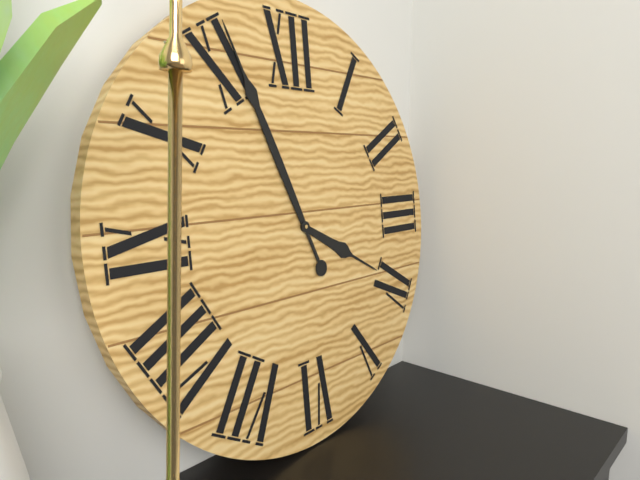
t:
3:56
